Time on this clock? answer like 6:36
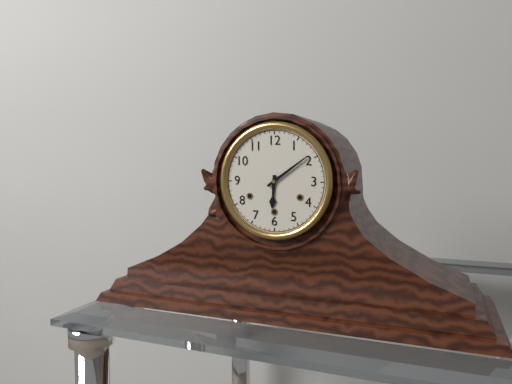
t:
6:09
